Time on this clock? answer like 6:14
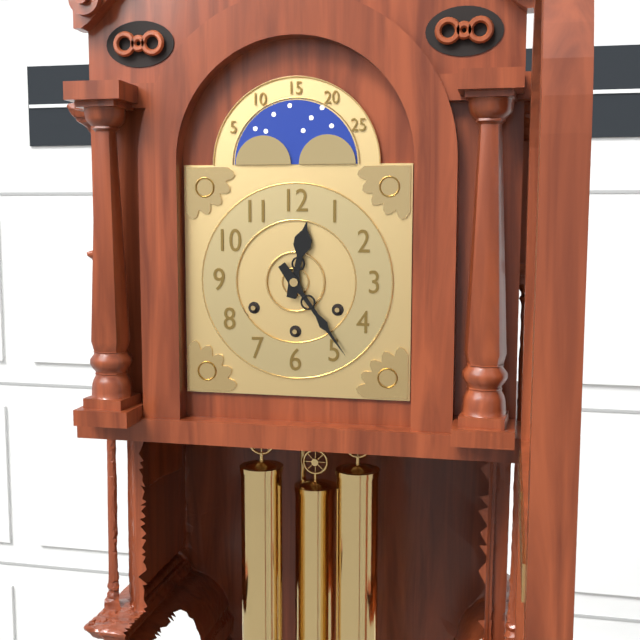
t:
12:24
